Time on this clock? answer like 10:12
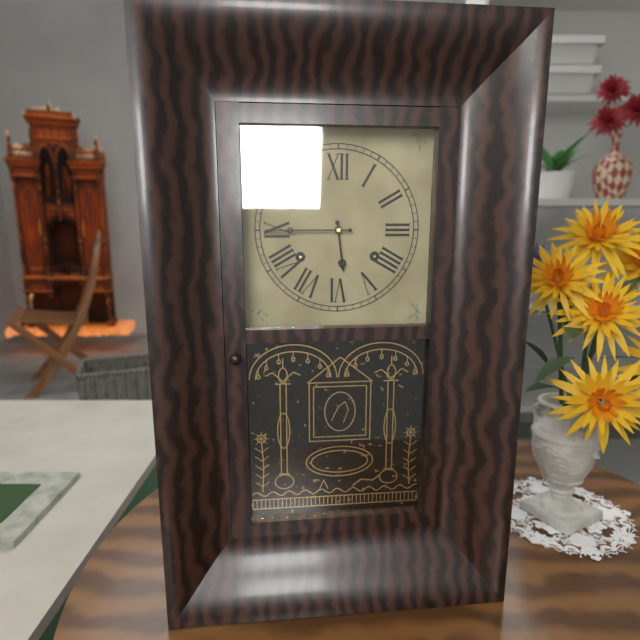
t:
5:45
